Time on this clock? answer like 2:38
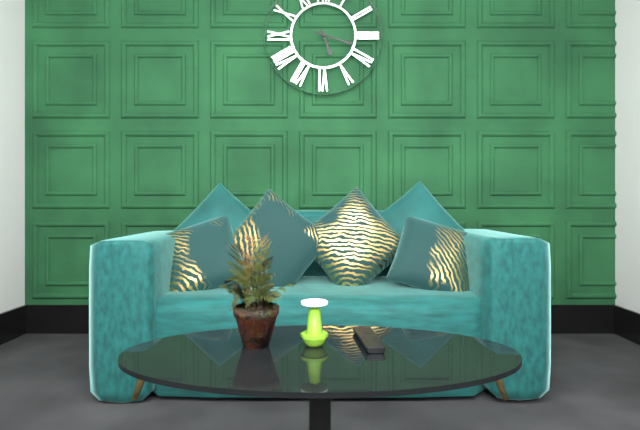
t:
5:18
